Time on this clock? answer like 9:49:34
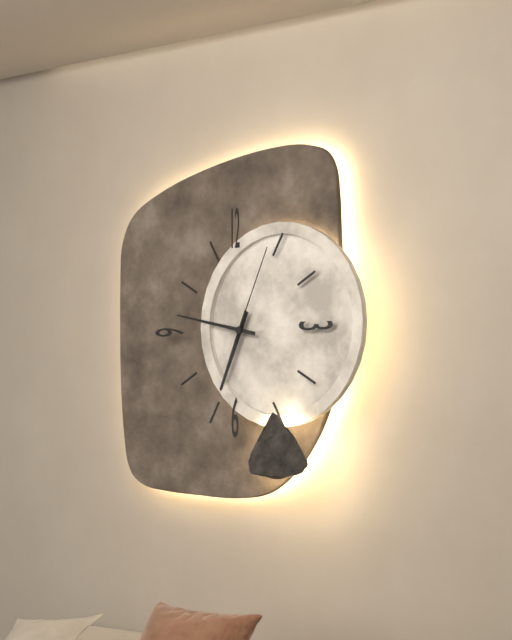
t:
6:47:04
